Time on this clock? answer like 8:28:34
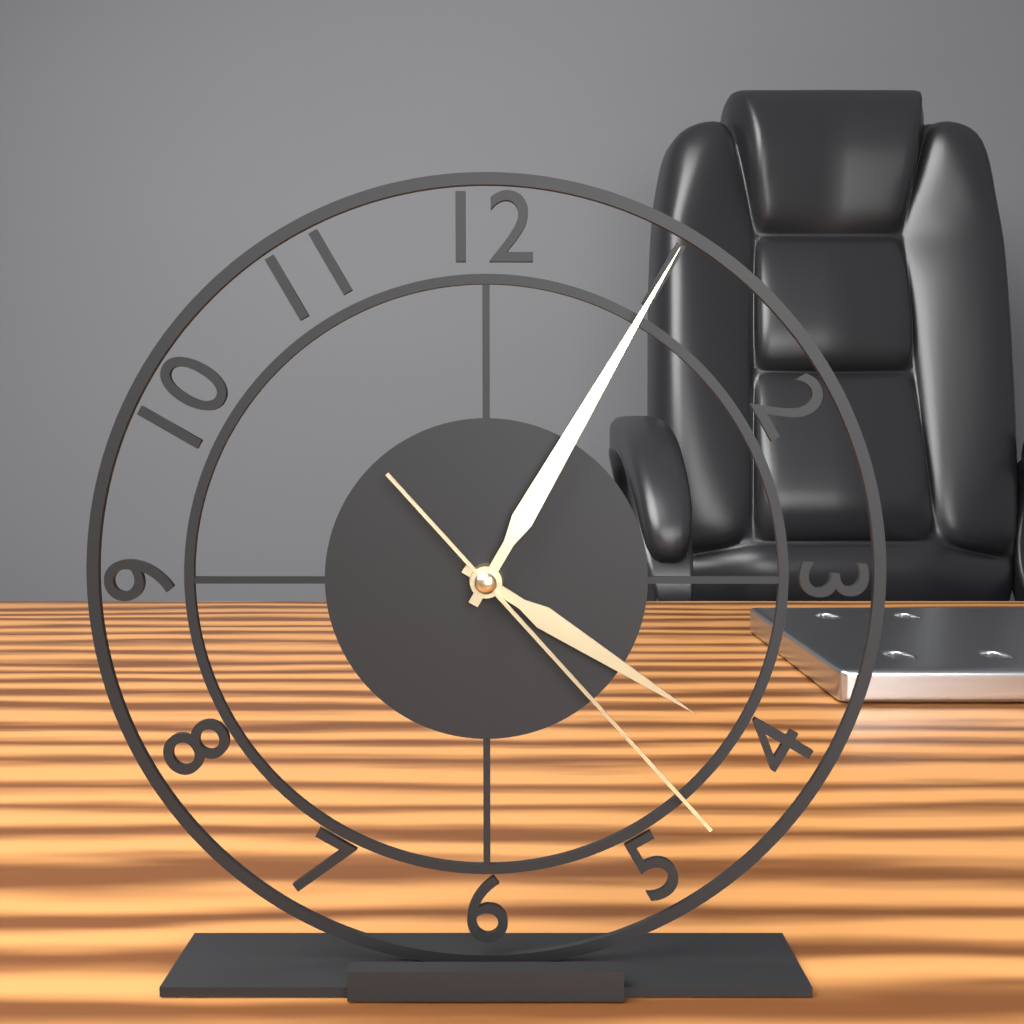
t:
4:05:23
